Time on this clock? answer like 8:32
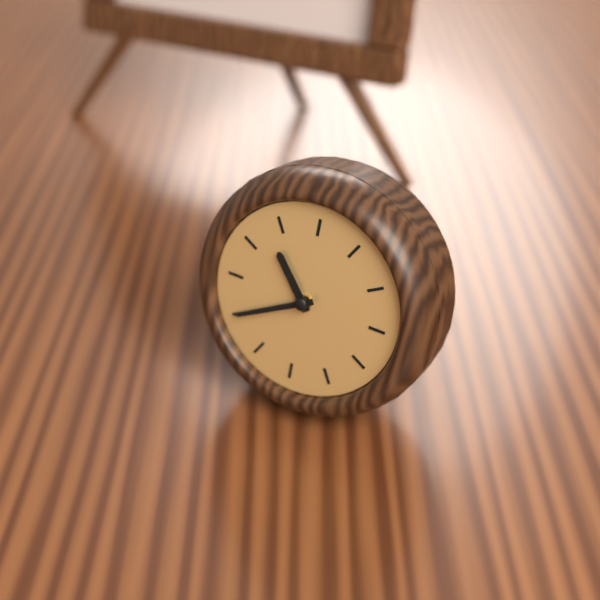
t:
10:40
